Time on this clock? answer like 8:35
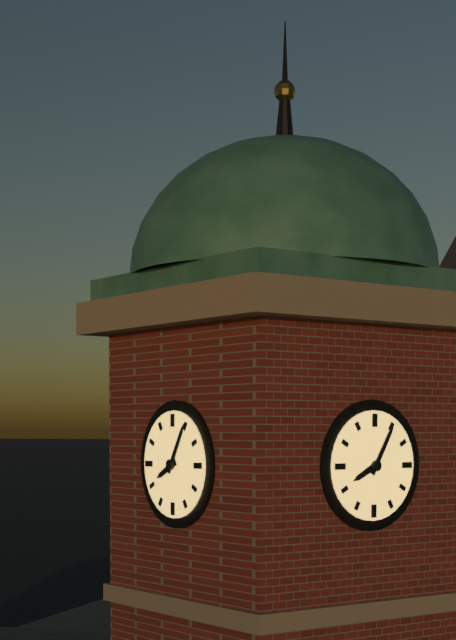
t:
8:05
